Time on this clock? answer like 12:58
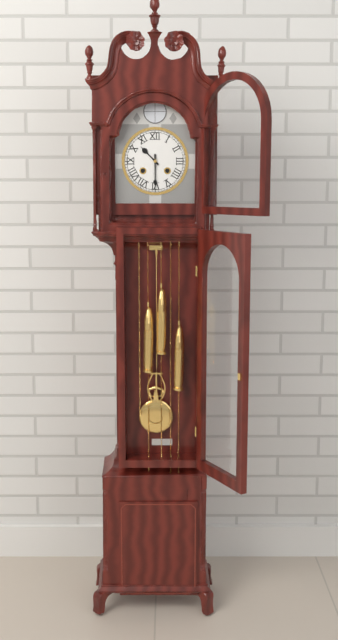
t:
10:30
